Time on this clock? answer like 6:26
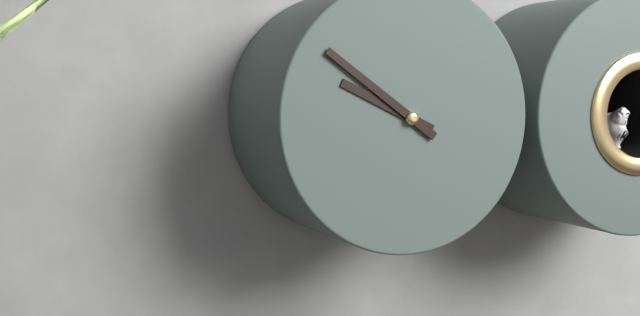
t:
9:51
